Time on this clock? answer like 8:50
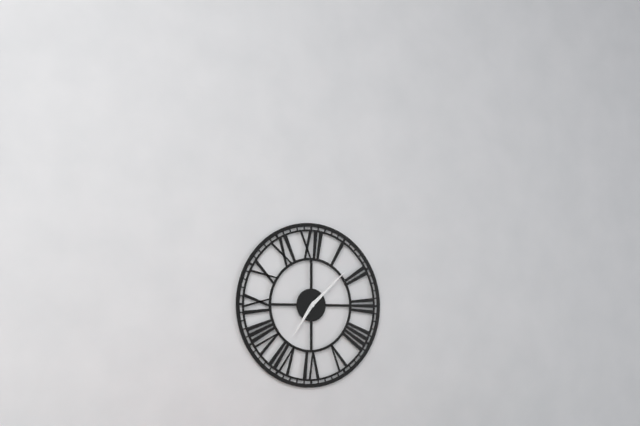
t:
7:08
